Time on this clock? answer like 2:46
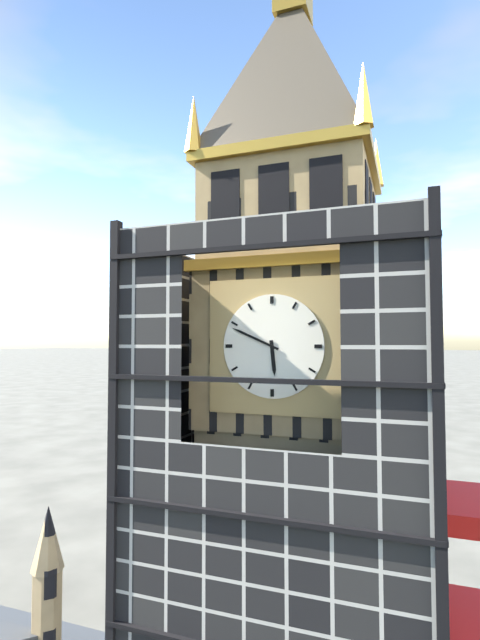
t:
5:49
